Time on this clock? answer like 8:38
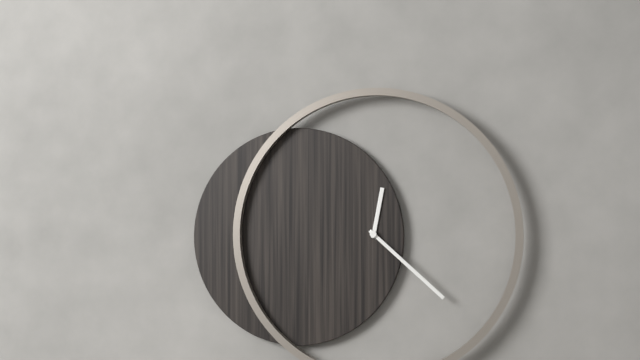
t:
12:22
